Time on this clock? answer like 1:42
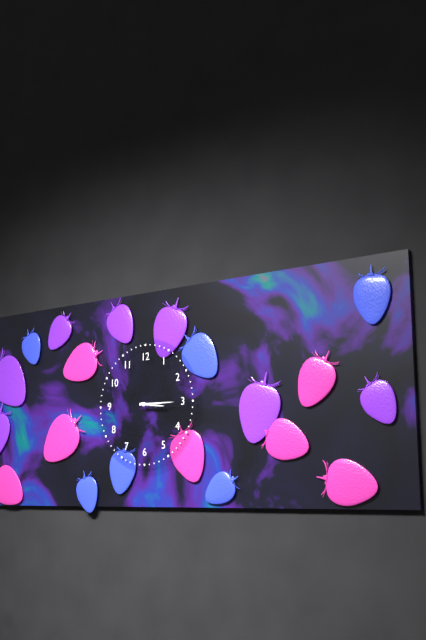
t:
3:15
